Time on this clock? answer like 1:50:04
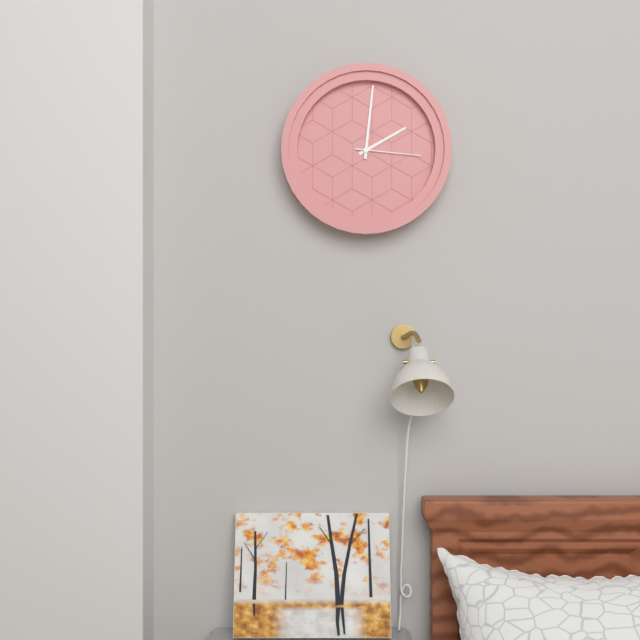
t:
2:01:16
